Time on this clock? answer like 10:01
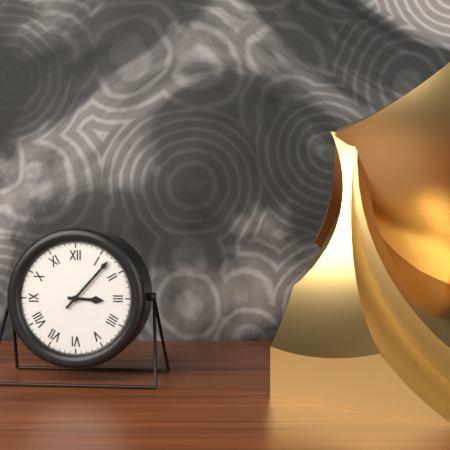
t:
3:07
